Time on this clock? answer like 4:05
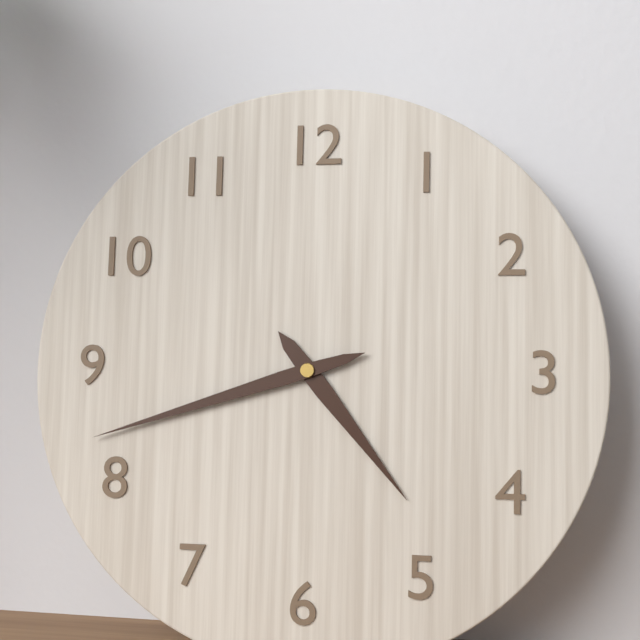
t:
4:42
